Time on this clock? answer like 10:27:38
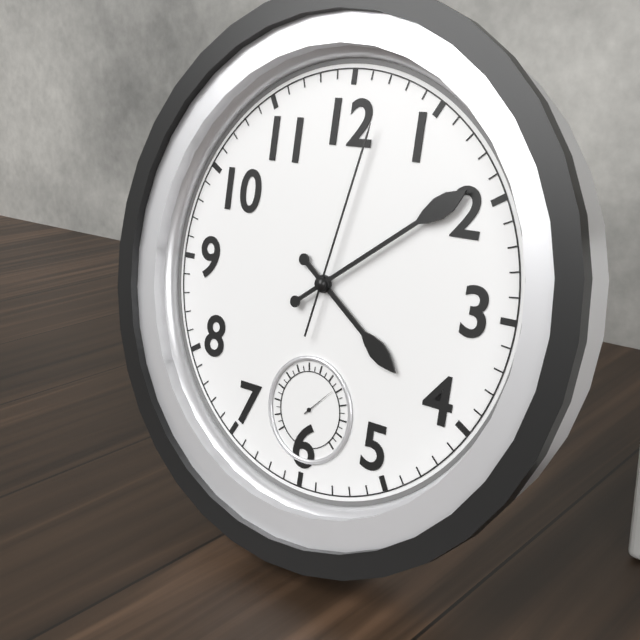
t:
4:09:02
